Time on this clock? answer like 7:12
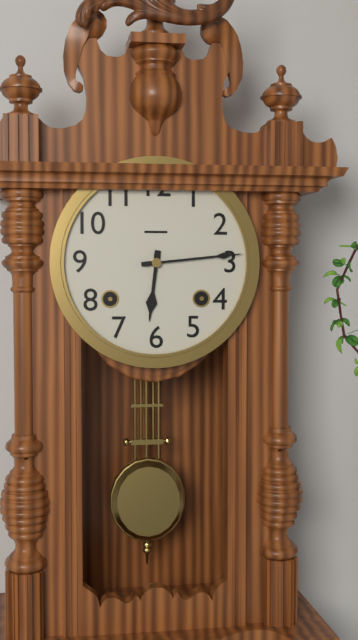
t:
6:14
